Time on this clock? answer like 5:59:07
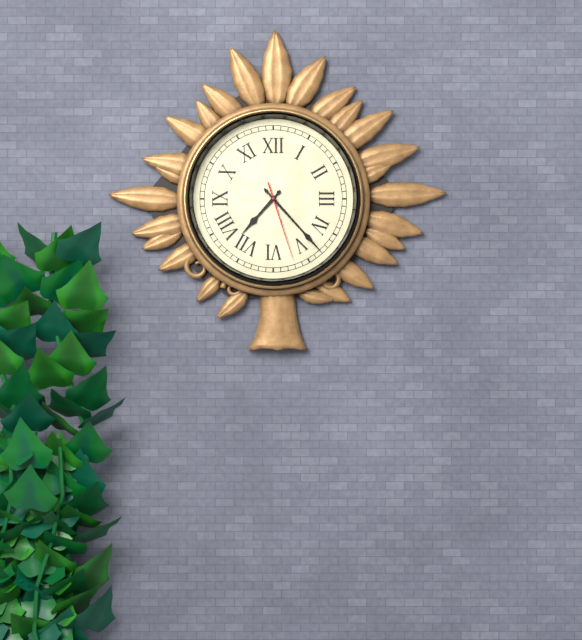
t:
7:23:27
